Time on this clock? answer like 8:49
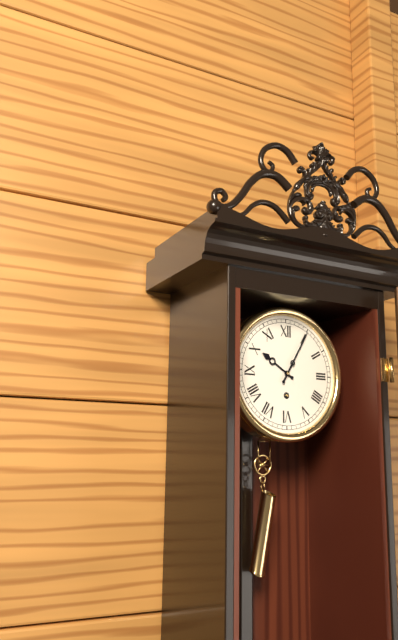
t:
10:05
